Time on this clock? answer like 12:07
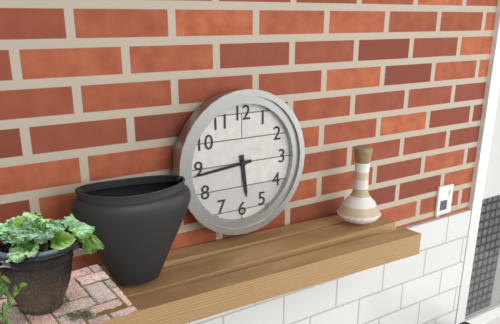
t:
5:44
